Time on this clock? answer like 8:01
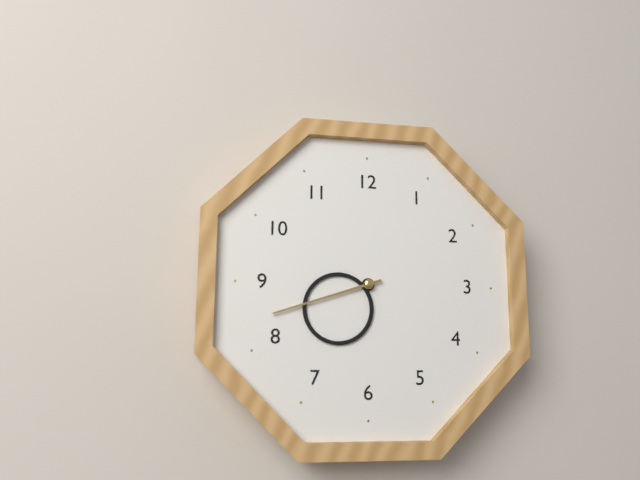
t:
7:42
